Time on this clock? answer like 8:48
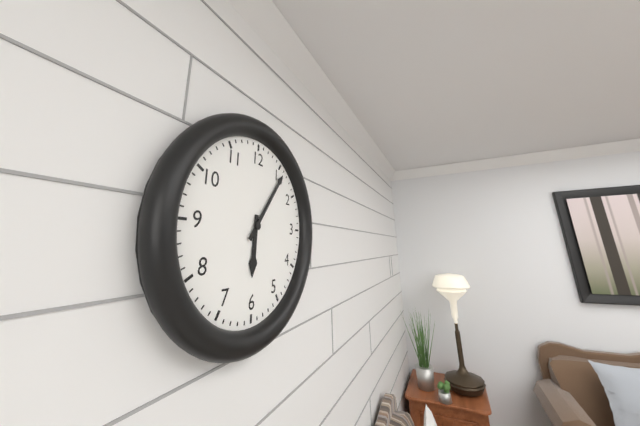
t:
6:06
